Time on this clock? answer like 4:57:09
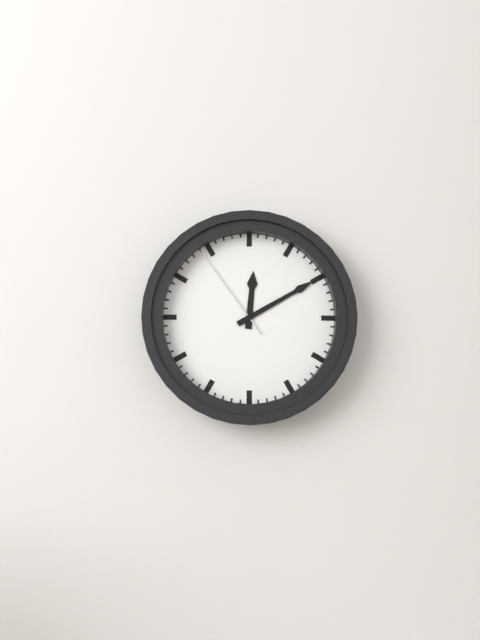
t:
12:10:54
